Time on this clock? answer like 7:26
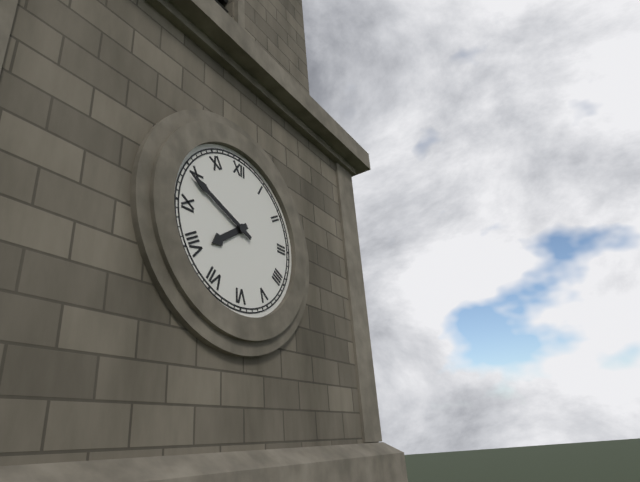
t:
7:49
